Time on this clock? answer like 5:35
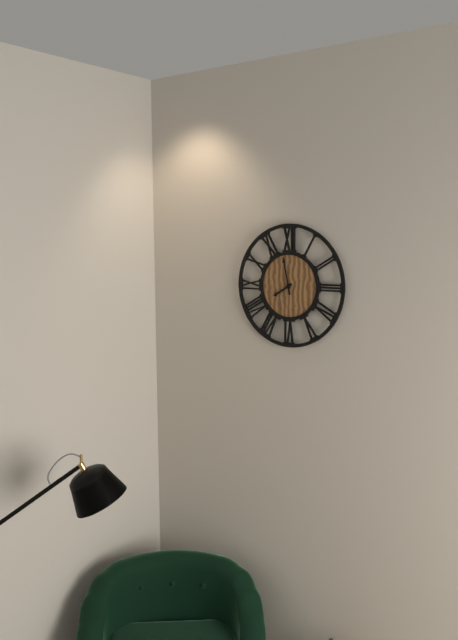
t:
7:58
